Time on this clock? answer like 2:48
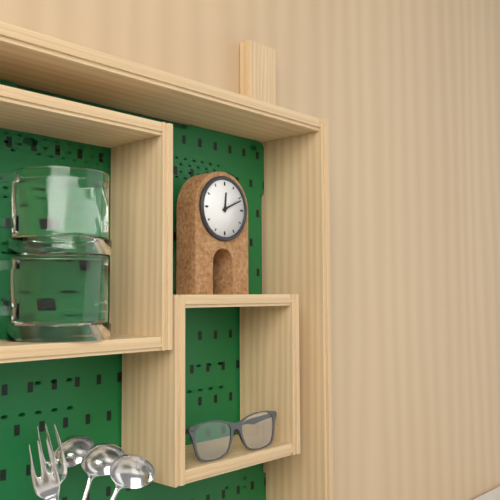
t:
12:11
